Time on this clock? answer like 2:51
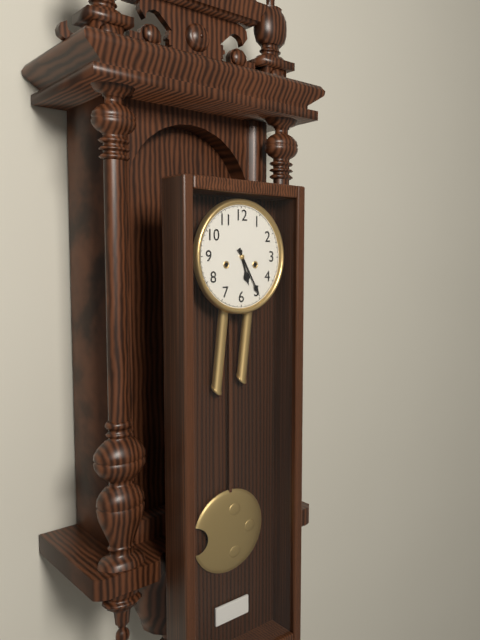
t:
5:25
